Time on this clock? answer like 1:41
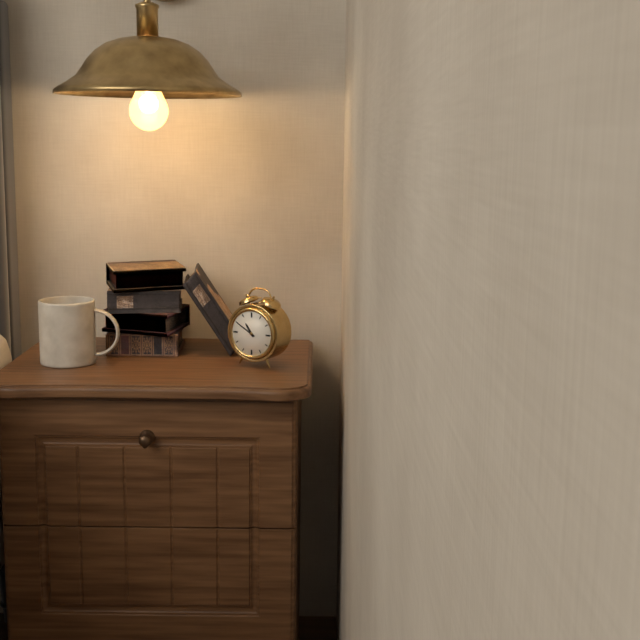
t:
10:50
